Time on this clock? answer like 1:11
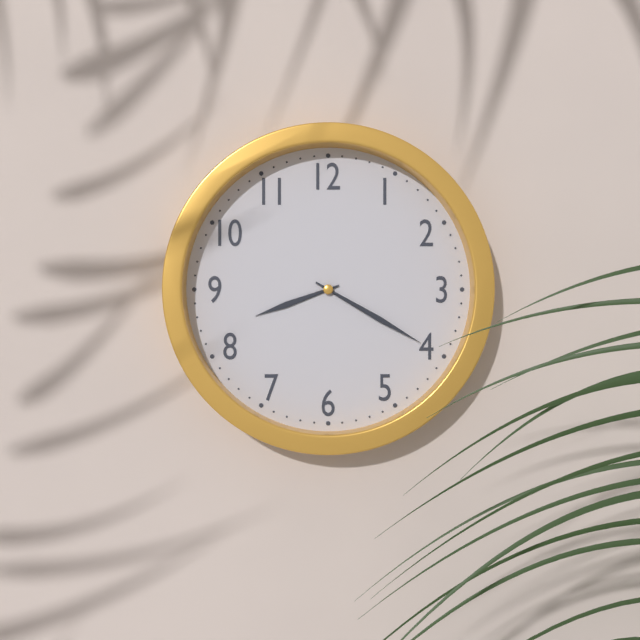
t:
8:20
